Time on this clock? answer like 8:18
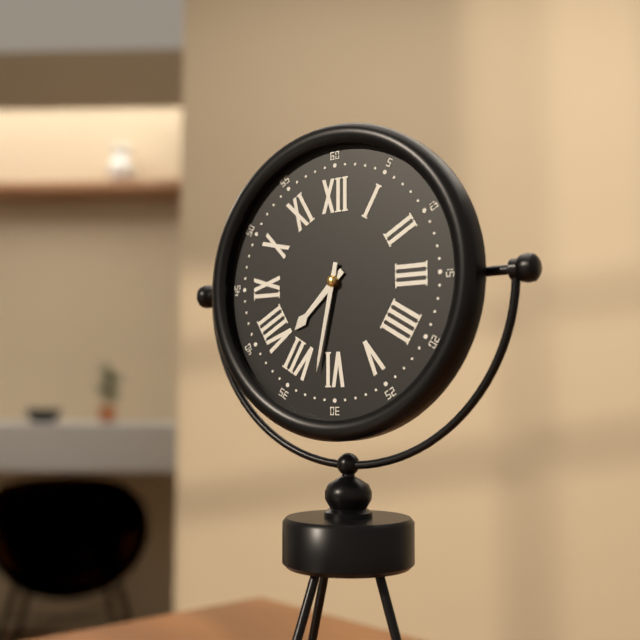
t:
7:32
